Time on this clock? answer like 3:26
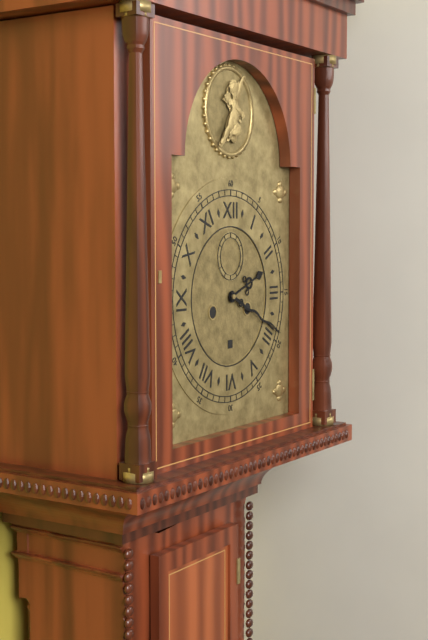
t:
2:19
